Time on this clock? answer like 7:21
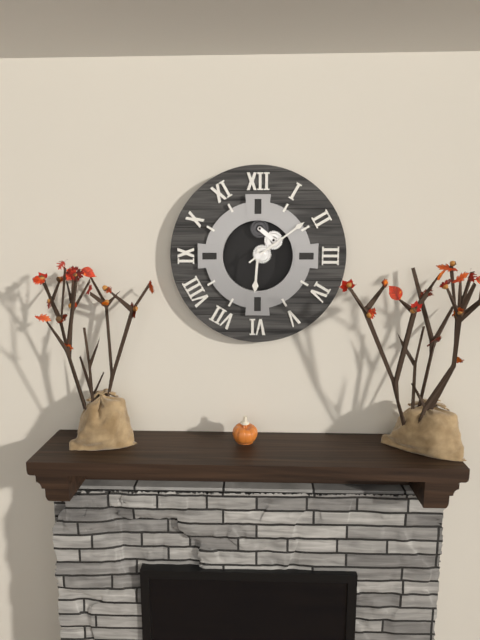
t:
6:09
